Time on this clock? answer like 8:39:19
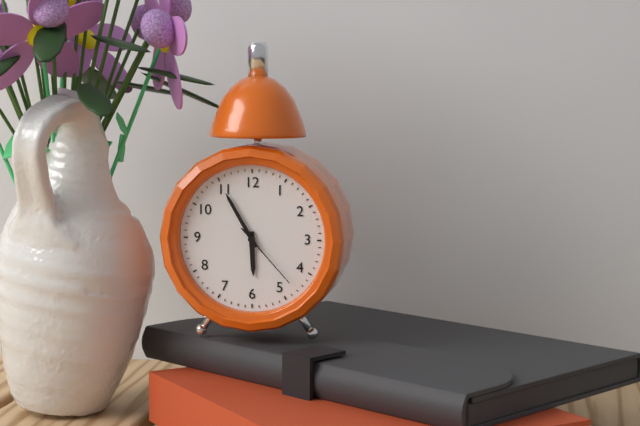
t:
5:55:23
